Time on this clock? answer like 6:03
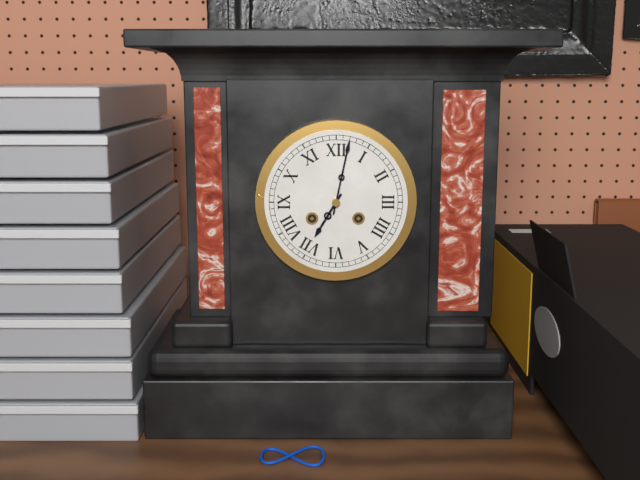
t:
7:02
